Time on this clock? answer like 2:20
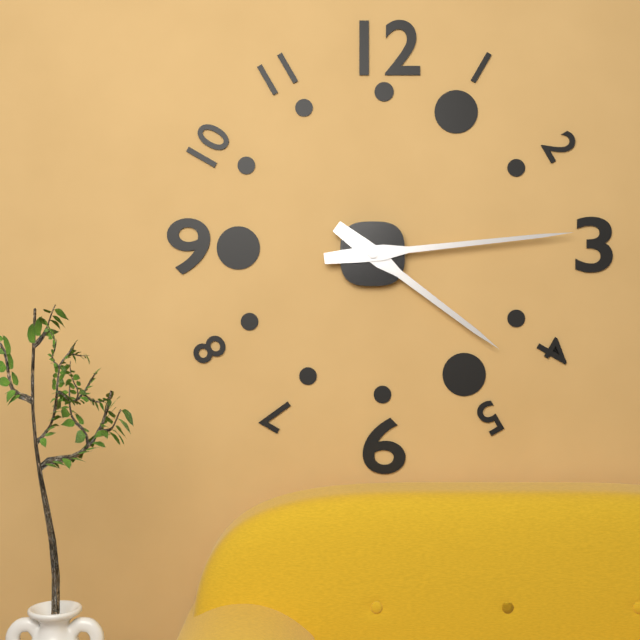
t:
4:14
